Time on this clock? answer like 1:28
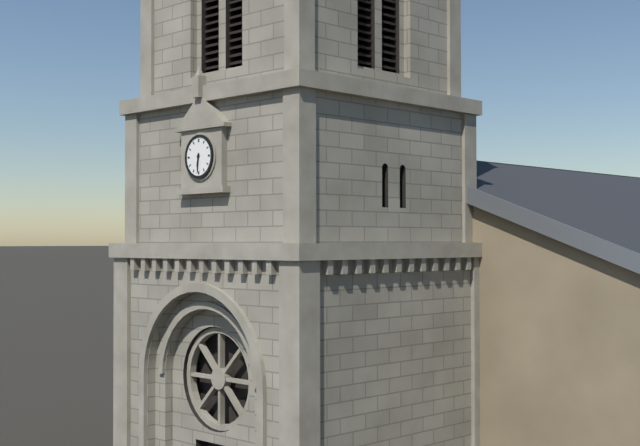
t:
6:31
